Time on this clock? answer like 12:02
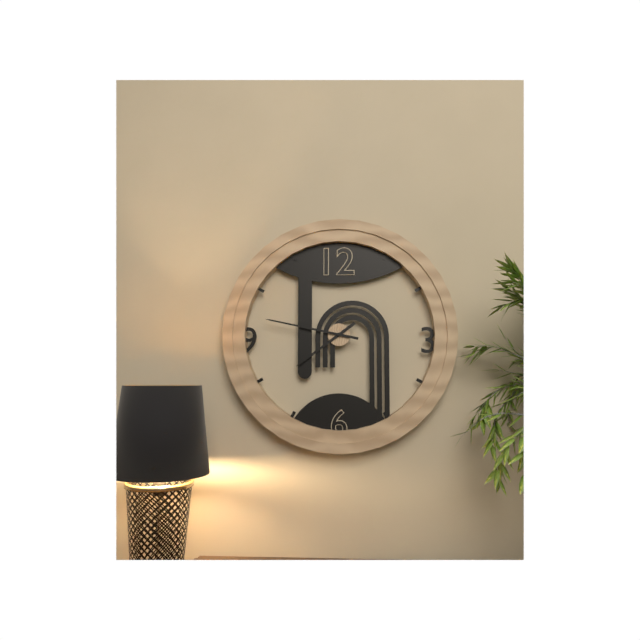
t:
7:47
